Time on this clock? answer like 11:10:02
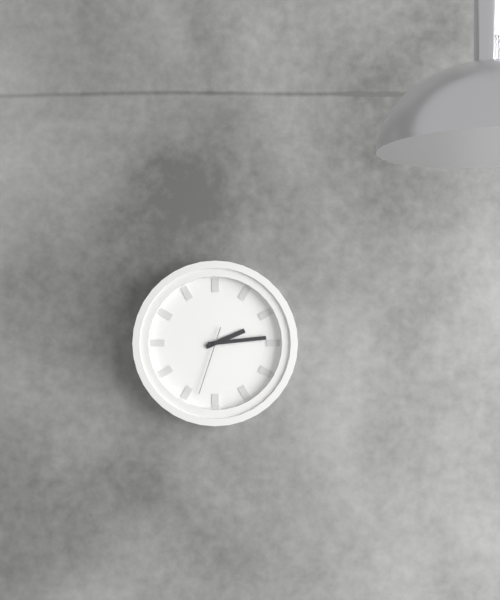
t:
2:14:33
